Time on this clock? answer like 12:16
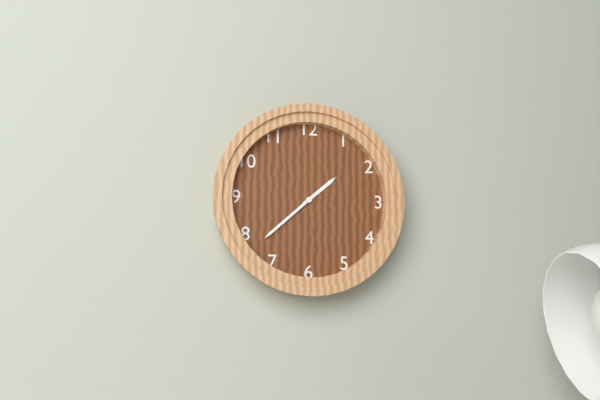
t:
1:38
